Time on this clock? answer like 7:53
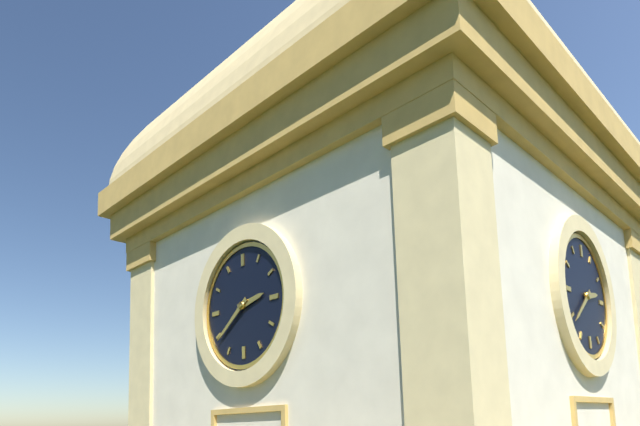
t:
2:39
